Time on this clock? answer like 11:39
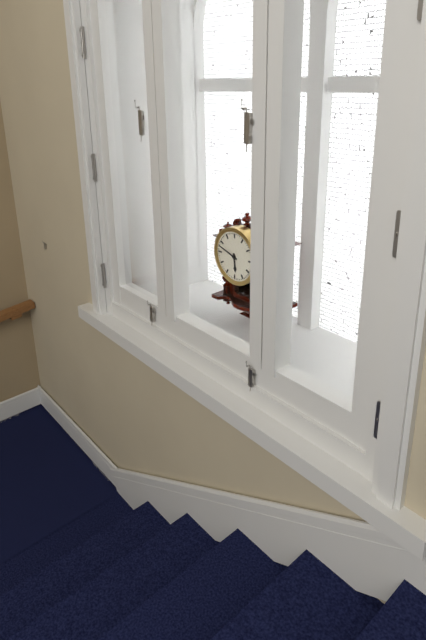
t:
5:48
